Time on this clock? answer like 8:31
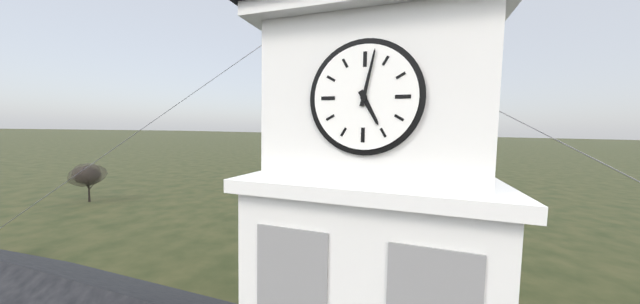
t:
5:02
